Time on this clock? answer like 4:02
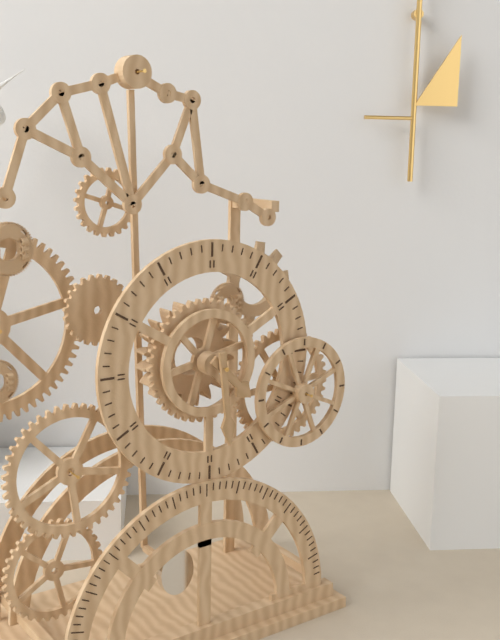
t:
4:29
